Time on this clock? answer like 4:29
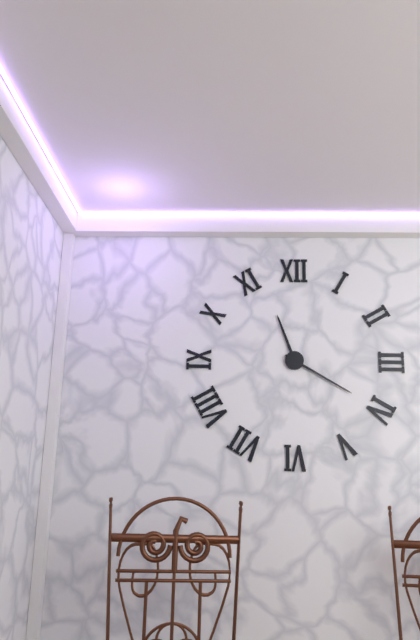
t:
11:20
